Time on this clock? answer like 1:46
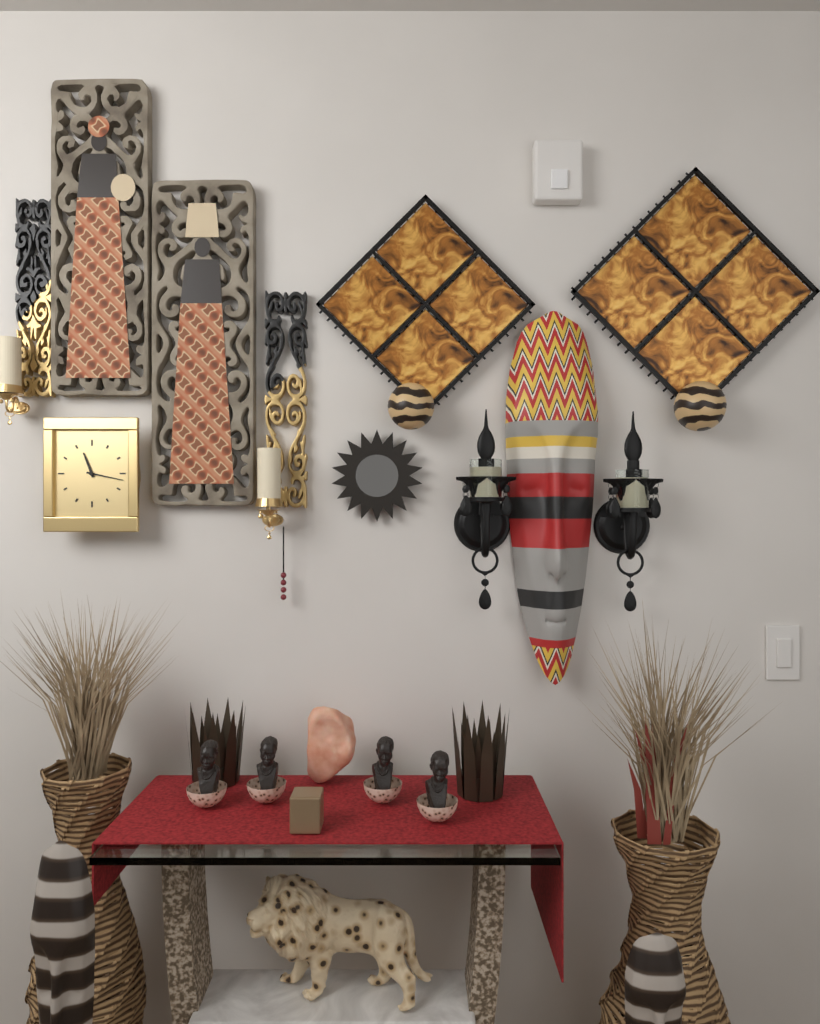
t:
11:17
